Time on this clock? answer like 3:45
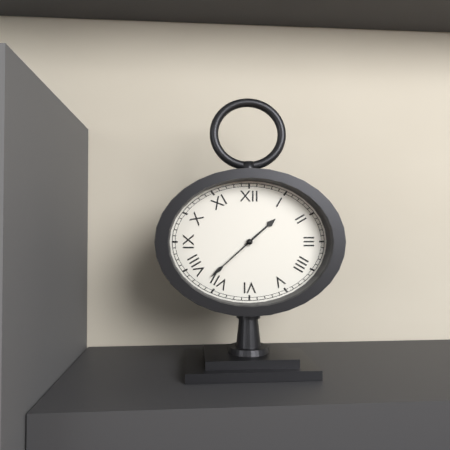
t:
1:38
